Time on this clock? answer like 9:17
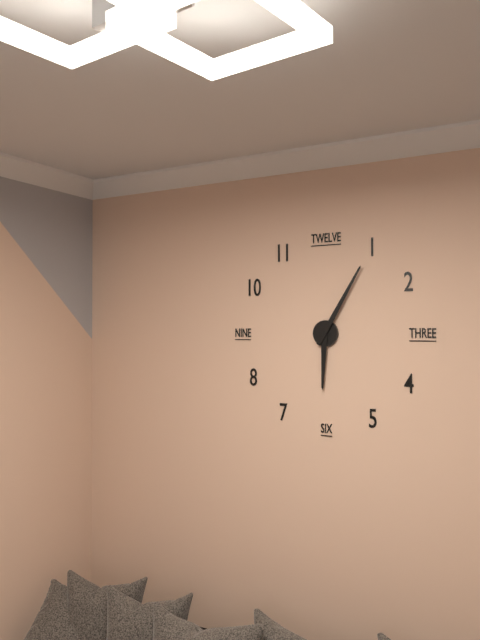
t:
6:05
